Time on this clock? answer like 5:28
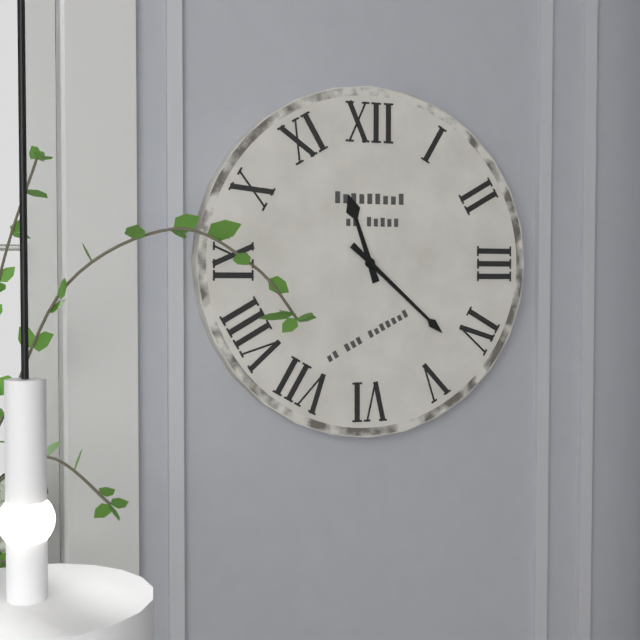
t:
11:22
